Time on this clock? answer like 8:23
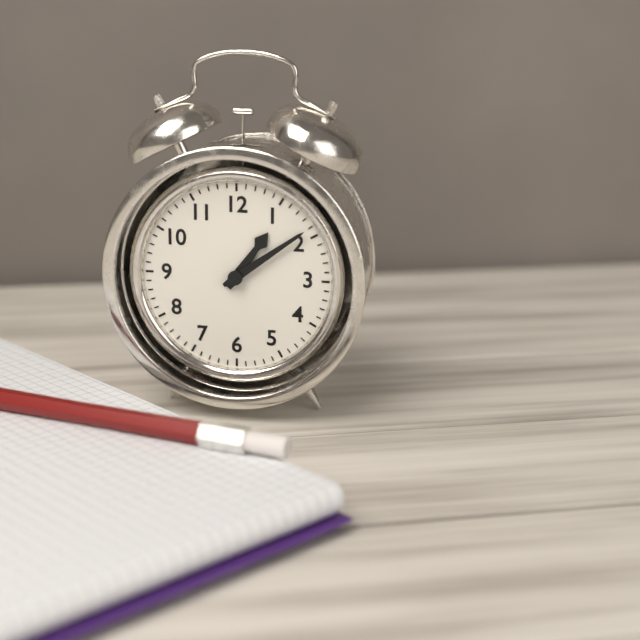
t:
1:09
